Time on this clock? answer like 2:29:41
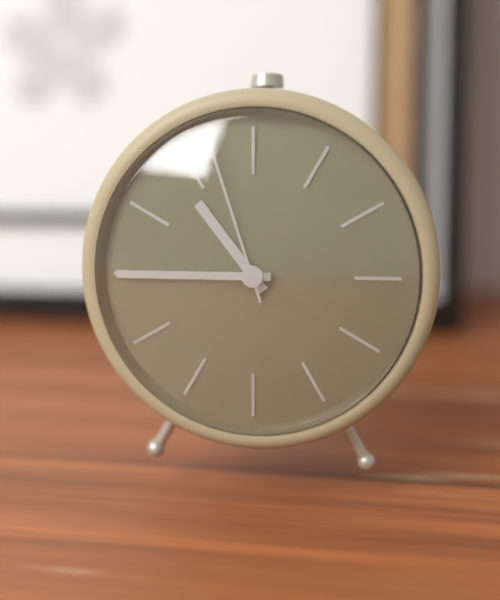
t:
10:45:57
